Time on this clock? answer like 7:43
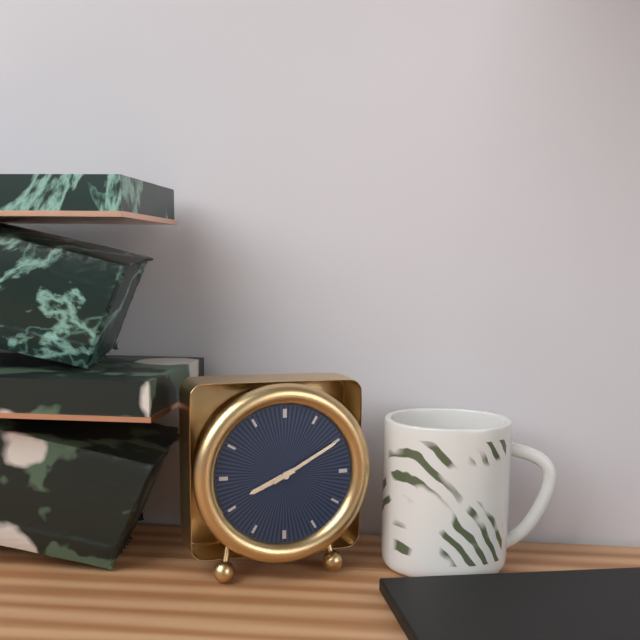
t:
8:10
